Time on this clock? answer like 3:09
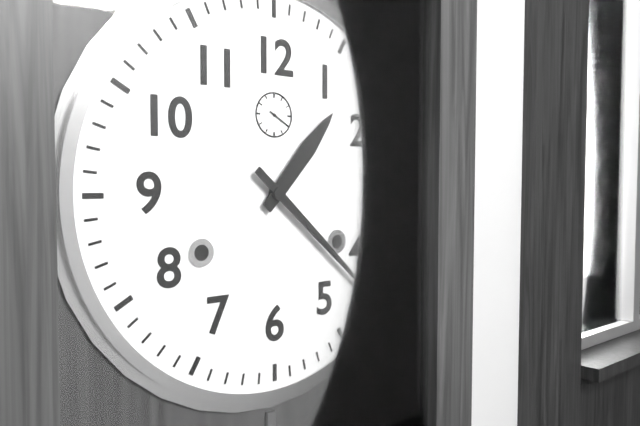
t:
1:22
